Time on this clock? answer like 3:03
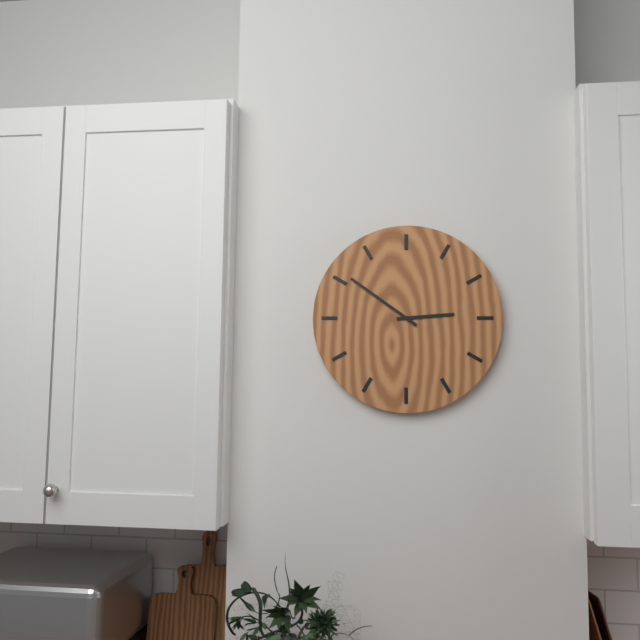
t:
2:51
